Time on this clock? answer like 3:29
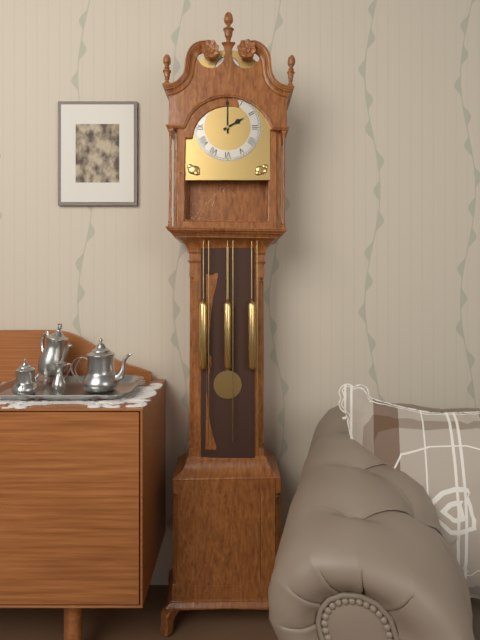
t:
2:00
